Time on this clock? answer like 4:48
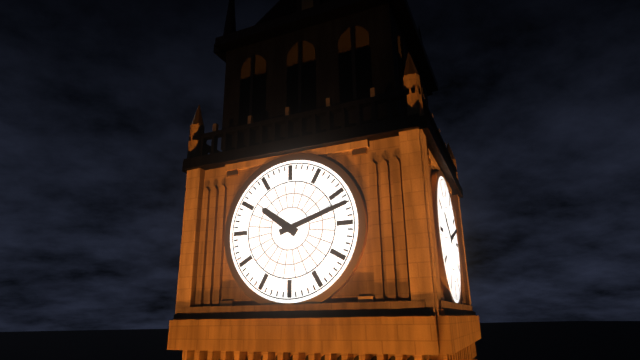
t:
10:12
